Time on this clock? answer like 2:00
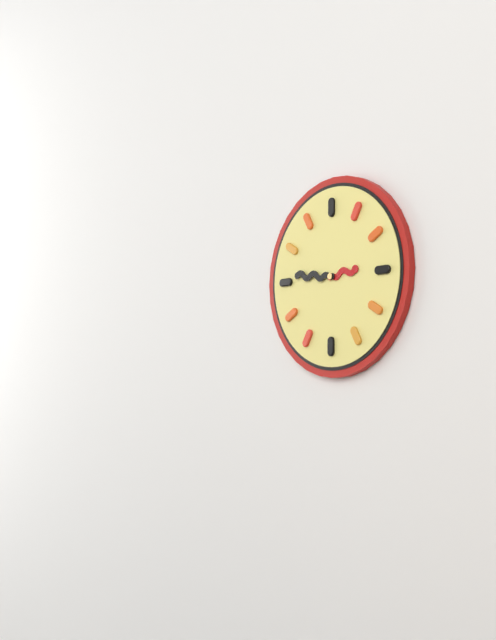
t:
2:46
